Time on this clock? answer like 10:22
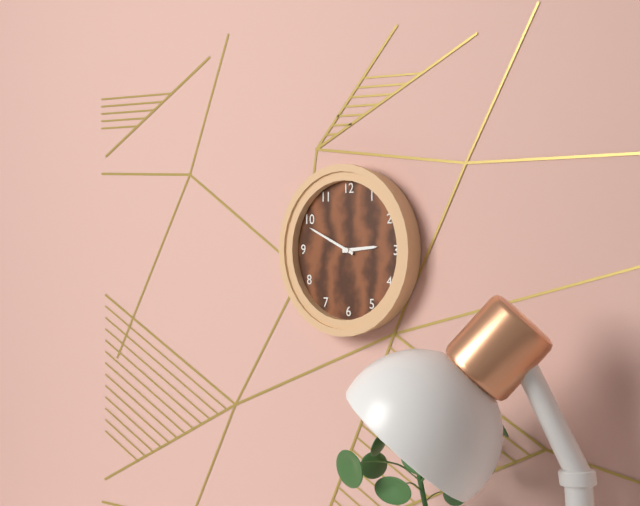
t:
2:49
